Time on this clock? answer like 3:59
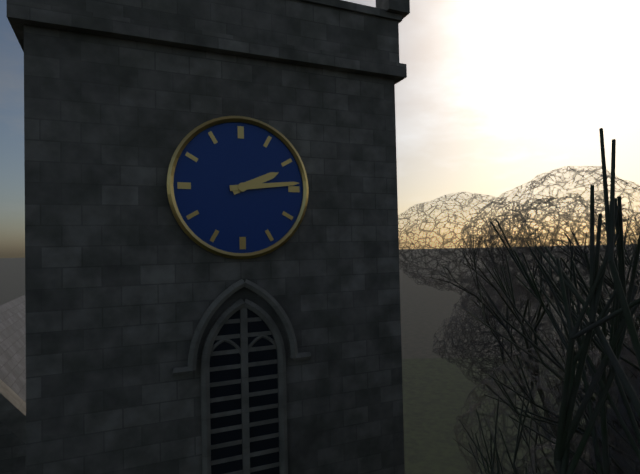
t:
2:14
